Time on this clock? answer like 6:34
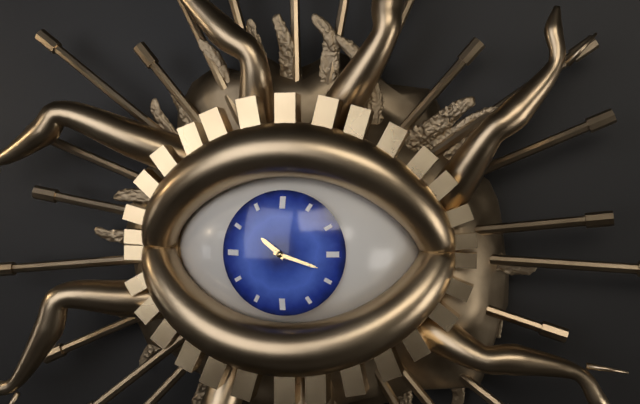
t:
10:18
